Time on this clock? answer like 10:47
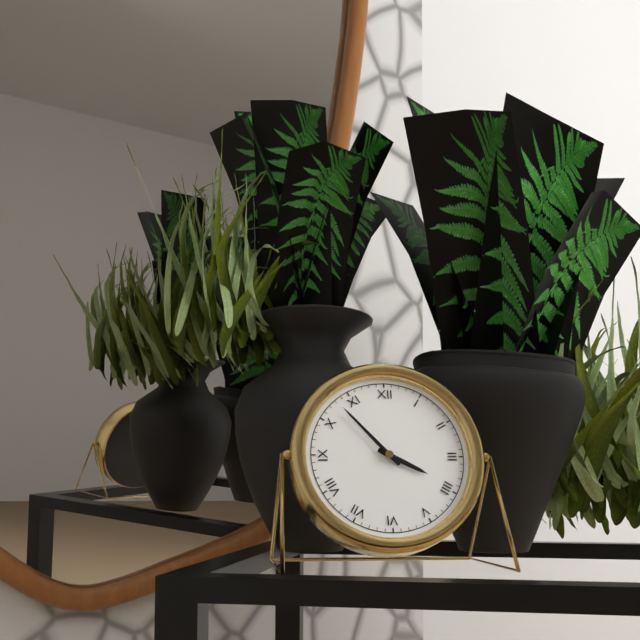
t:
3:53
